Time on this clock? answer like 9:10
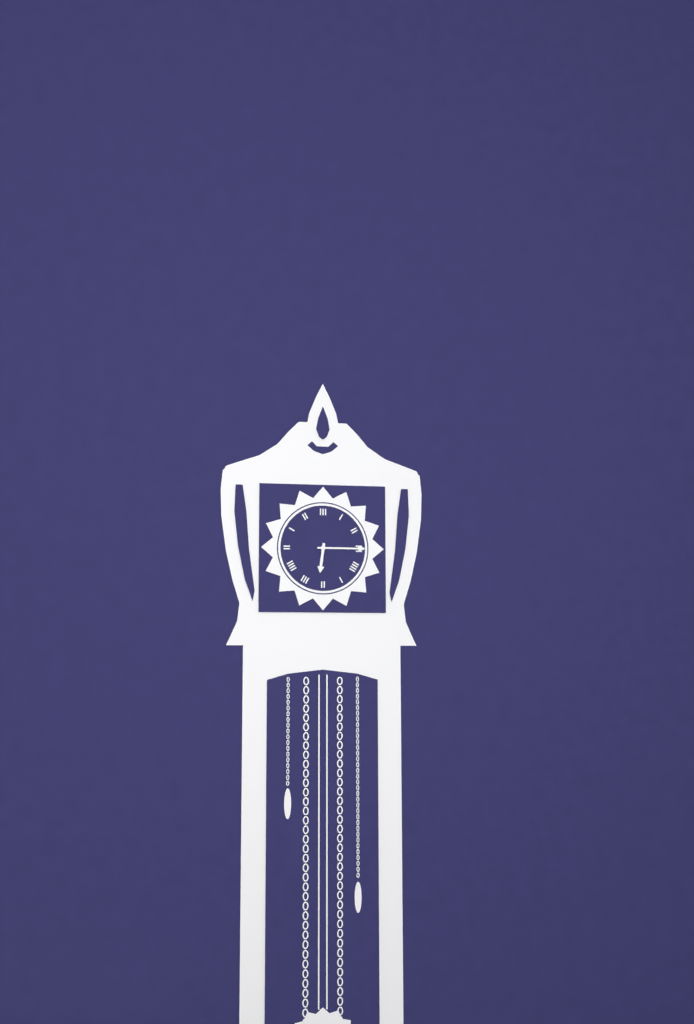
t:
6:15
